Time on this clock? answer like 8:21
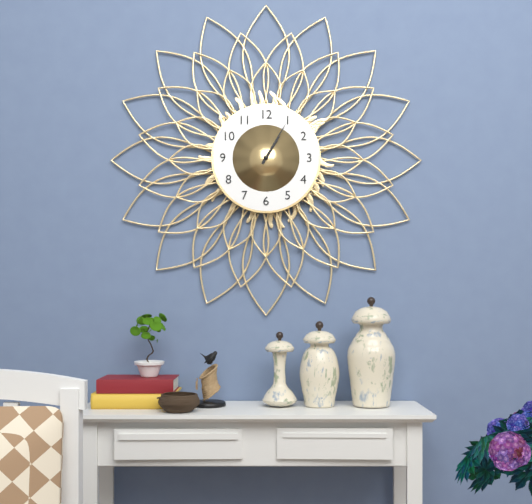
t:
1:05
